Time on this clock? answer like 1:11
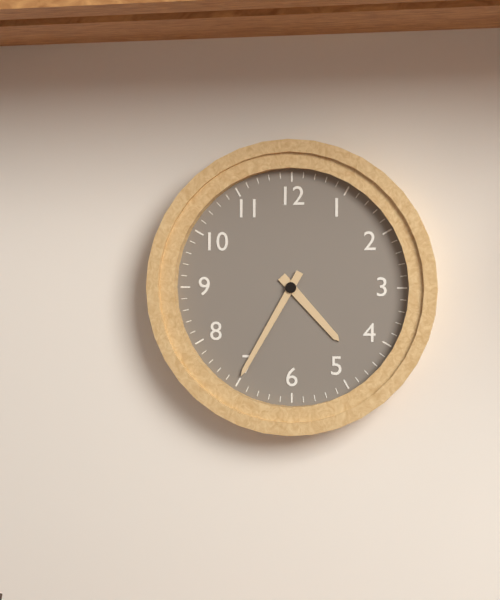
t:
4:35
